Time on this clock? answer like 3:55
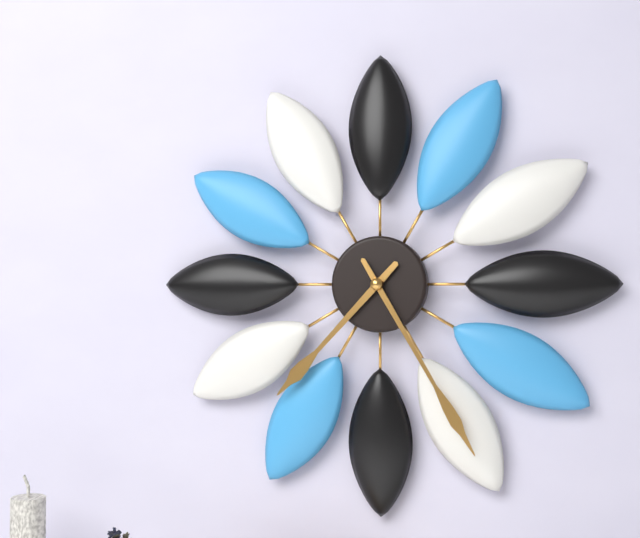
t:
7:25
